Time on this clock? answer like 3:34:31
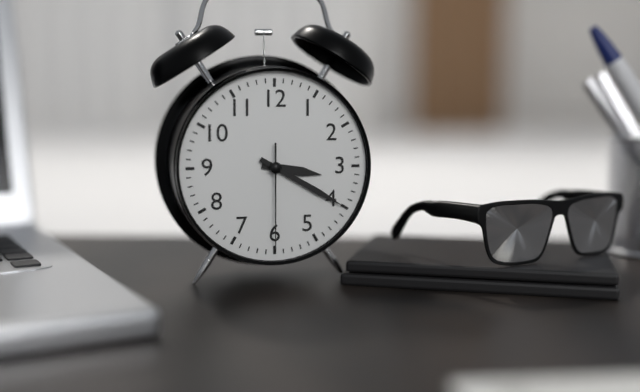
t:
3:20:30
